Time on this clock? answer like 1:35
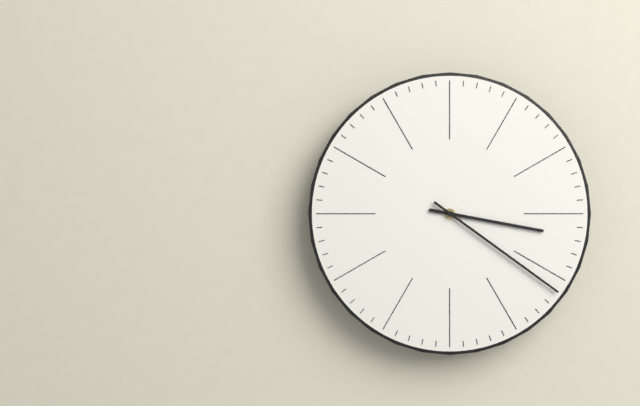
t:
3:21
